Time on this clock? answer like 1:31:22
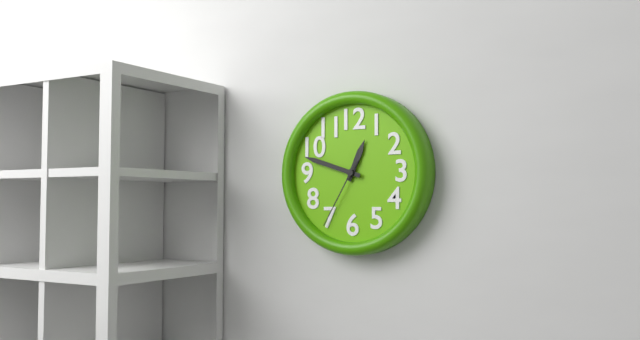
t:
12:48:35
